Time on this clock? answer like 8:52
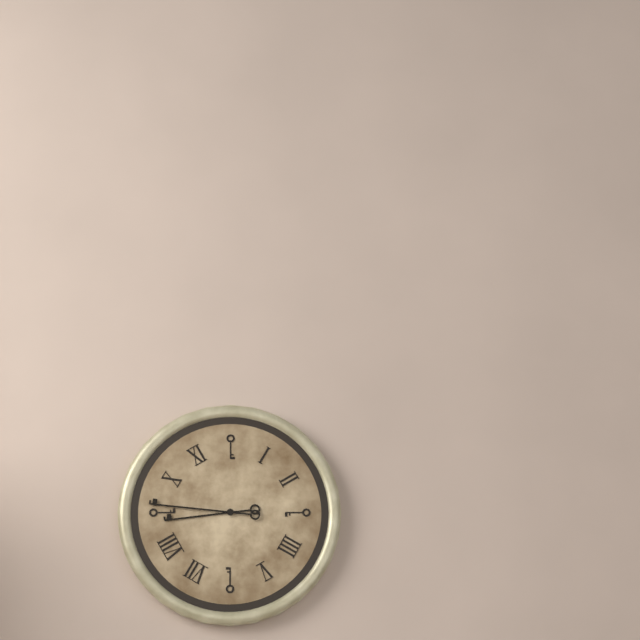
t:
8:46
